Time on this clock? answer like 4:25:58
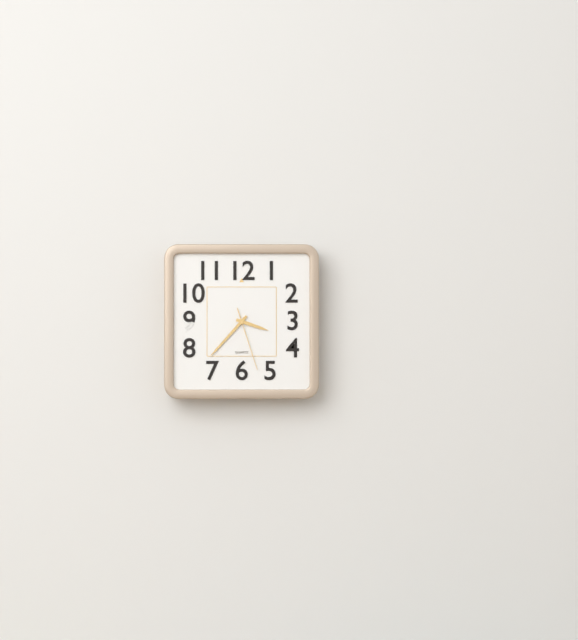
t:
3:37:27
